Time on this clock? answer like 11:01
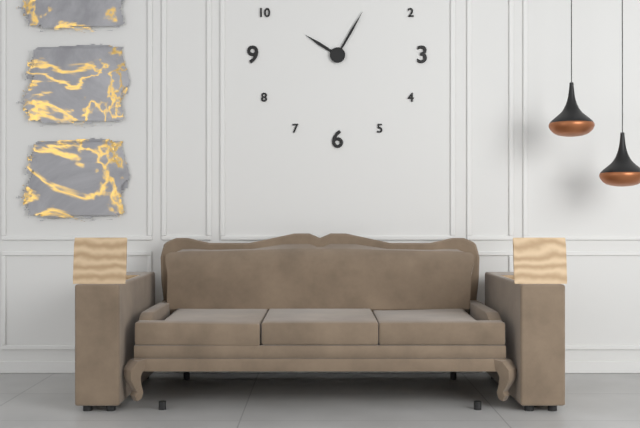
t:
10:05
